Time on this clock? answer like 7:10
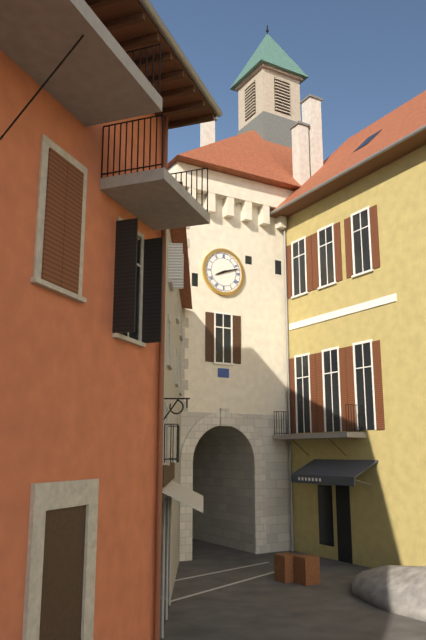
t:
8:12
